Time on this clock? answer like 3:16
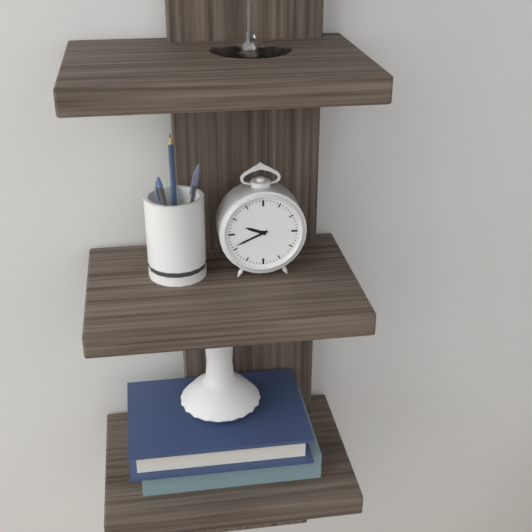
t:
9:41
